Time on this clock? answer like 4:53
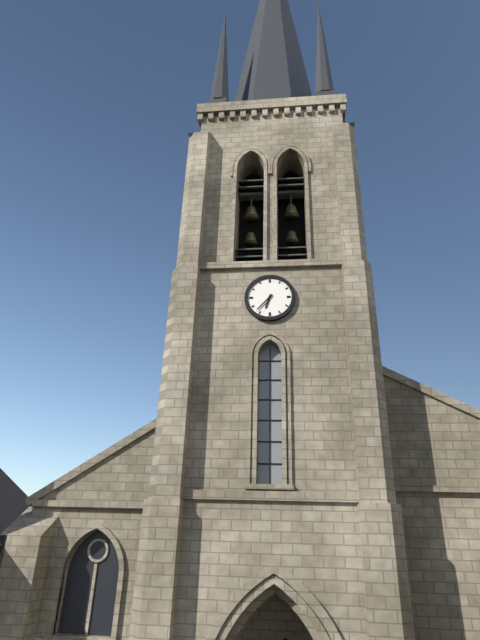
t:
6:37
